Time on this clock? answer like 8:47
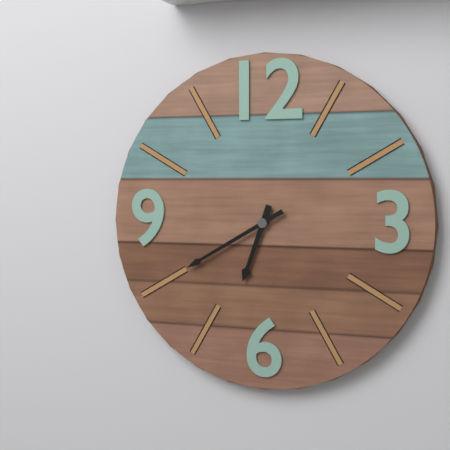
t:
6:40
